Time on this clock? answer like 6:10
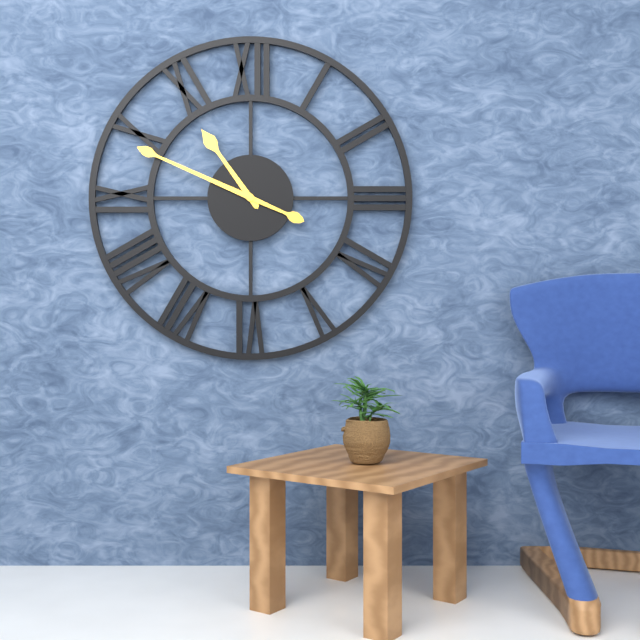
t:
10:49
